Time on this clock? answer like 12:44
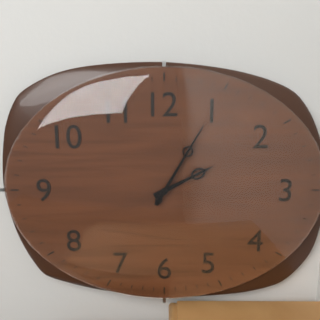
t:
2:05
